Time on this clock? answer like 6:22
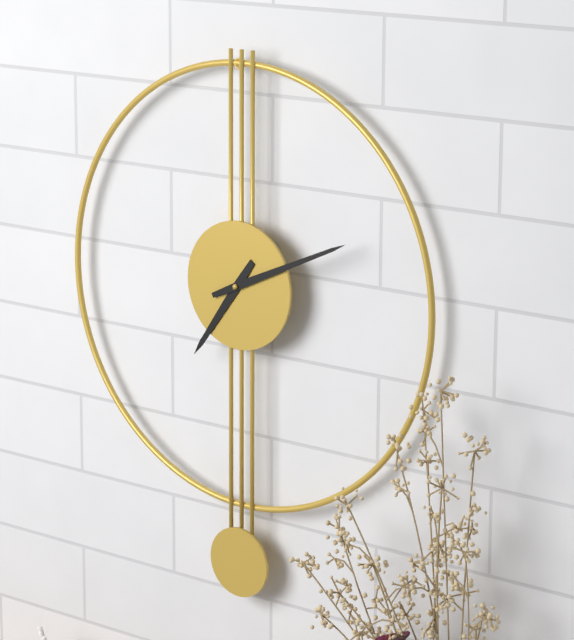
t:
7:11
